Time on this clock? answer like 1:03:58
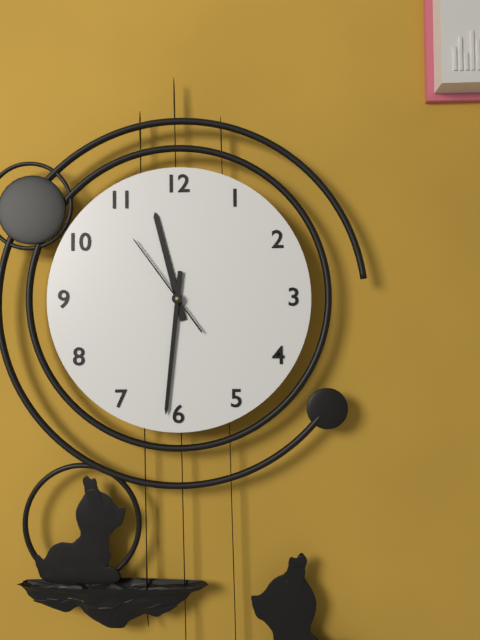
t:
11:31:54
